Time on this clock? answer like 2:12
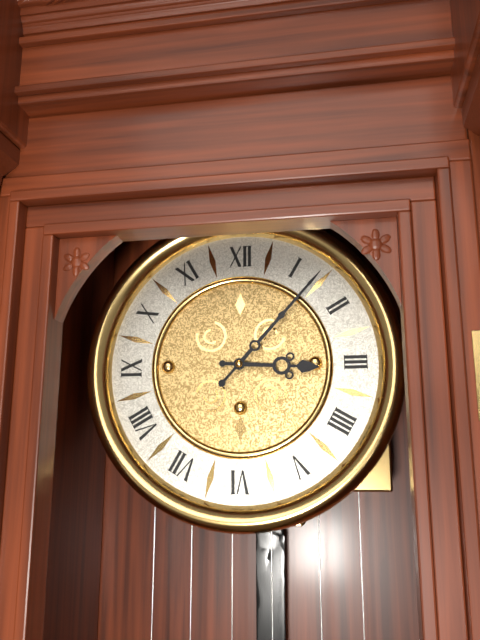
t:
3:07
